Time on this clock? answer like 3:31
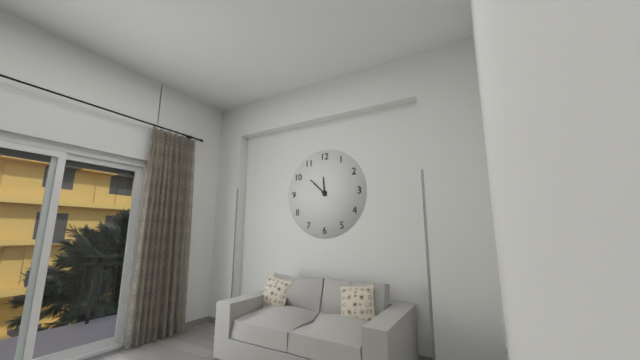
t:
11:52
